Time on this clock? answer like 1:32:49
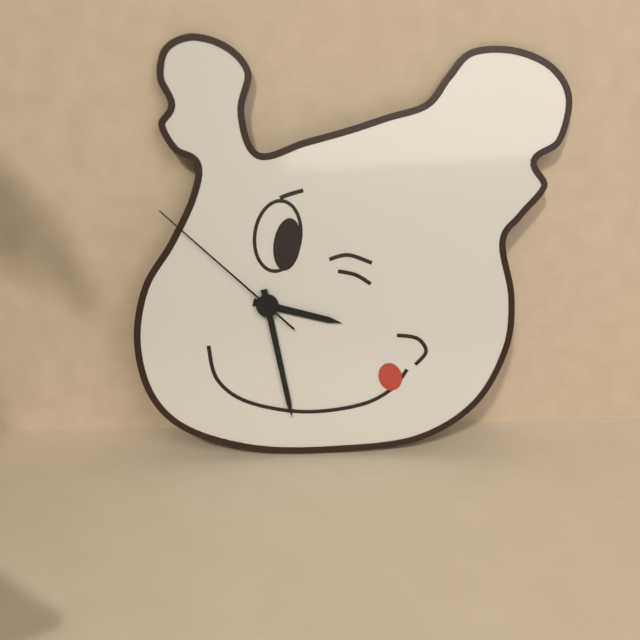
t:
3:28:52
